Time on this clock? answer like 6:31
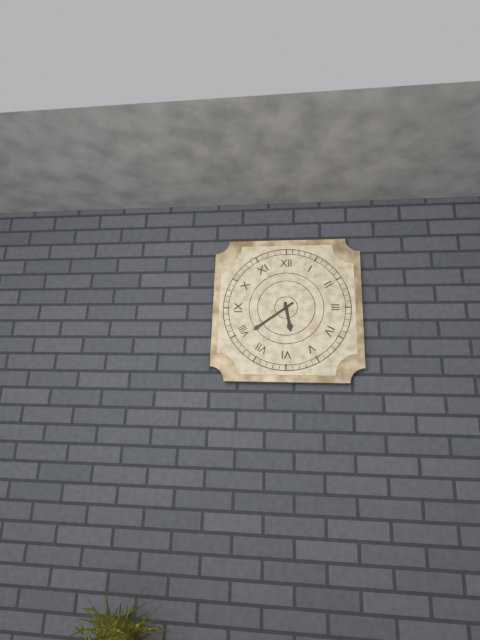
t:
5:39
